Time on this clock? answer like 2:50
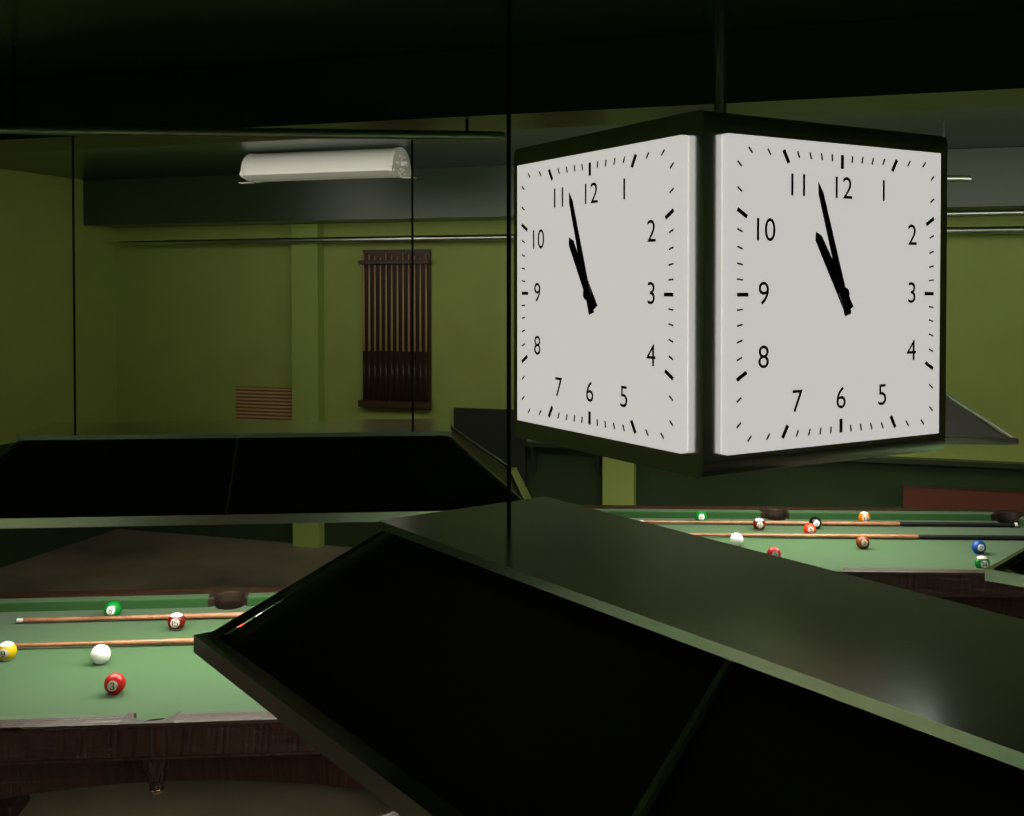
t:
10:57
